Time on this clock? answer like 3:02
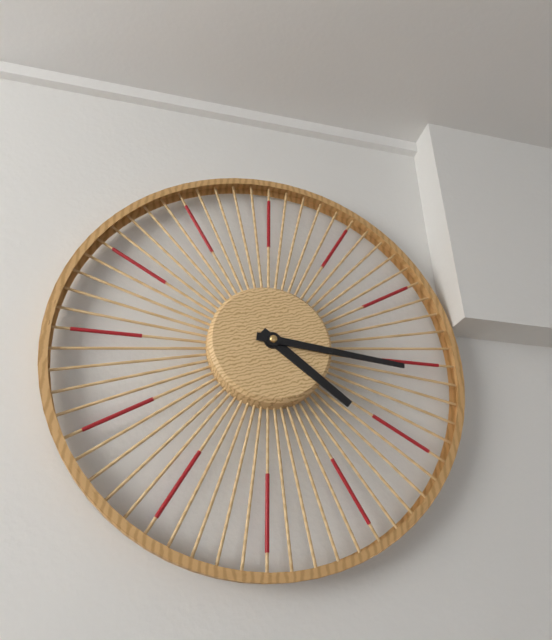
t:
4:16
